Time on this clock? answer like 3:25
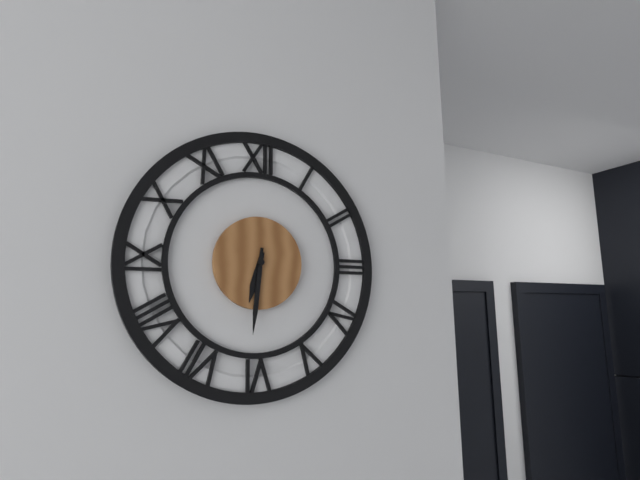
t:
6:31
